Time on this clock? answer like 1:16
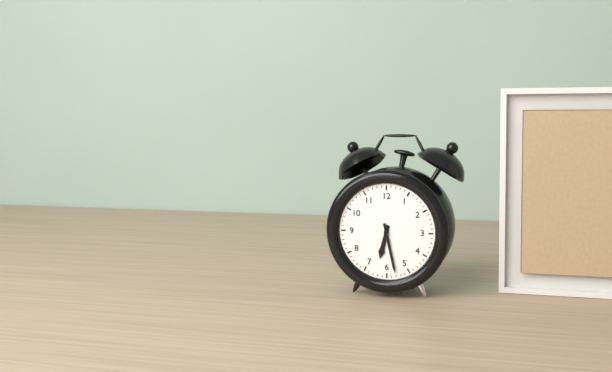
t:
6:28
